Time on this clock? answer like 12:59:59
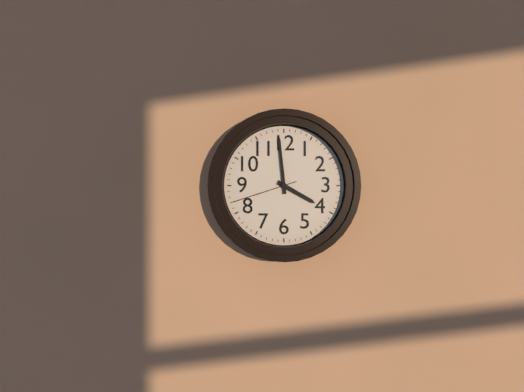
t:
3:59:42
